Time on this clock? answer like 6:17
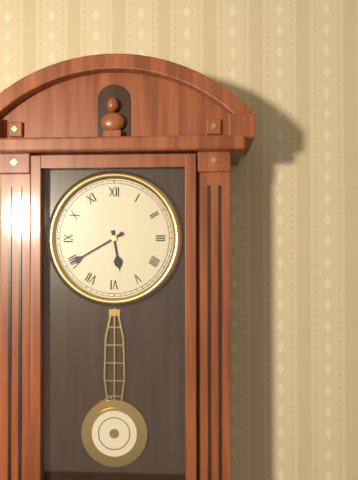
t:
5:40
